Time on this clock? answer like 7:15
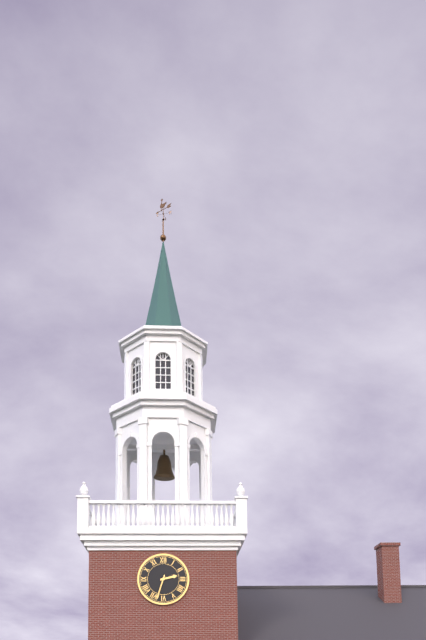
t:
2:33
